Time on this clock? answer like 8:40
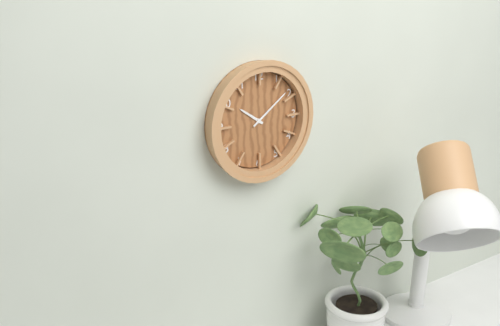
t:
10:09
